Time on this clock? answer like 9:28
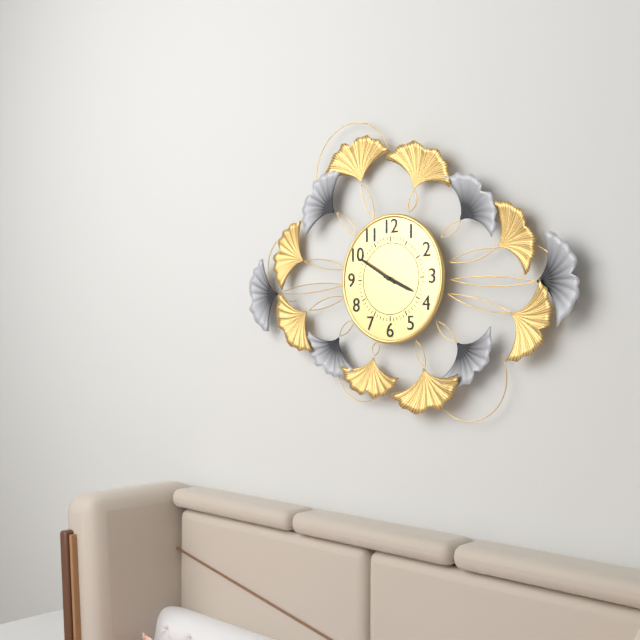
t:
3:50
